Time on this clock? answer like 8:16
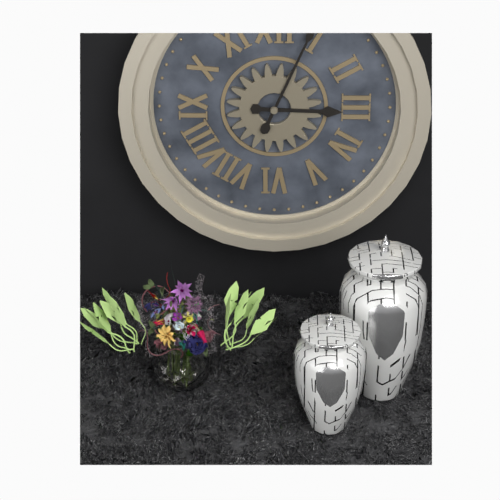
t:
3:04
